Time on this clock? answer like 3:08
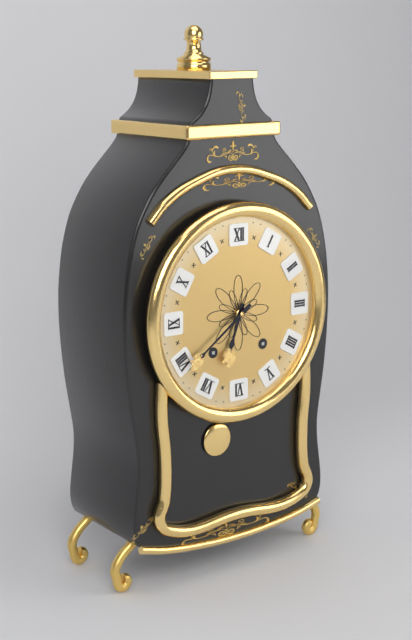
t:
6:39
